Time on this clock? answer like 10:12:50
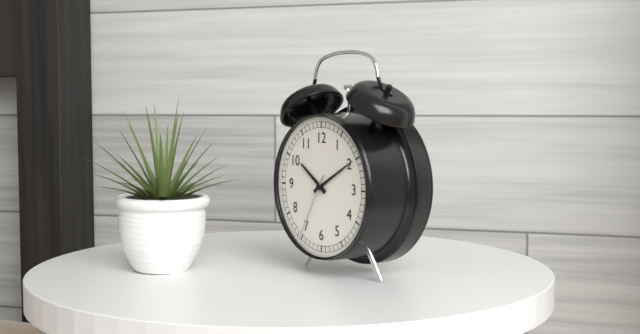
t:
10:10:35
